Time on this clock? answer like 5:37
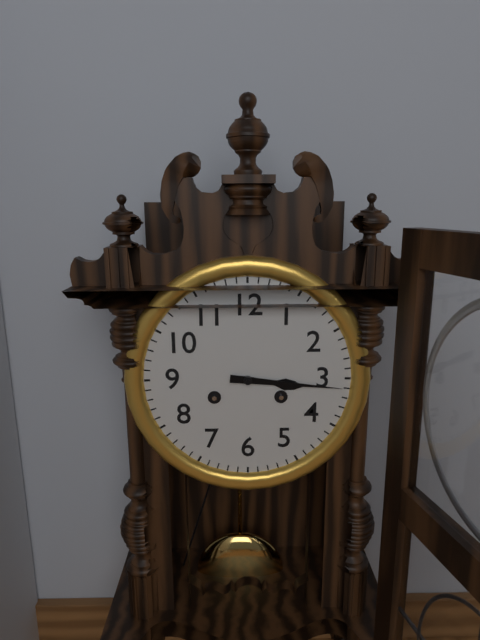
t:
3:16
